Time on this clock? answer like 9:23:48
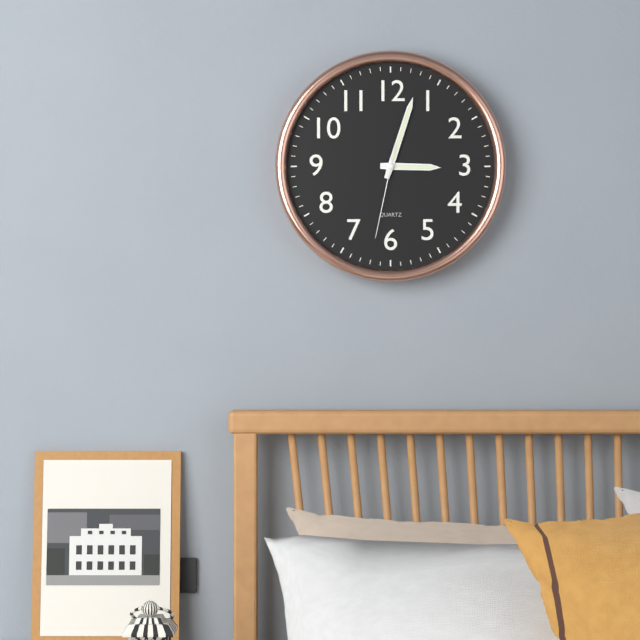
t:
3:03:32
